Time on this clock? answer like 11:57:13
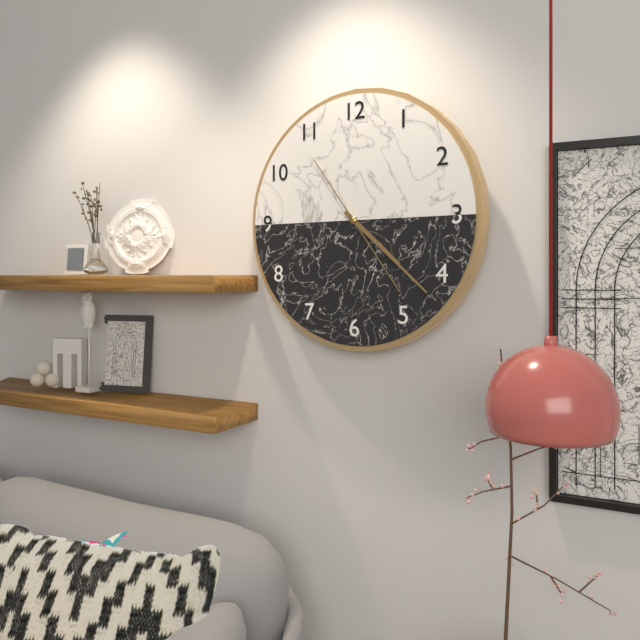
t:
4:22:24
